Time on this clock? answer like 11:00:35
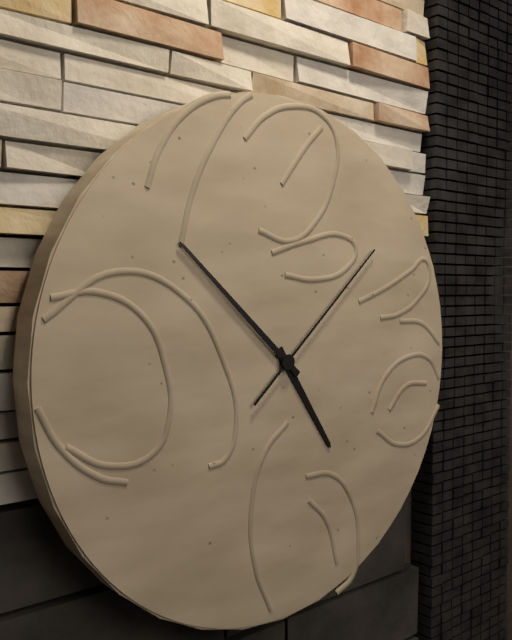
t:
4:52:08
